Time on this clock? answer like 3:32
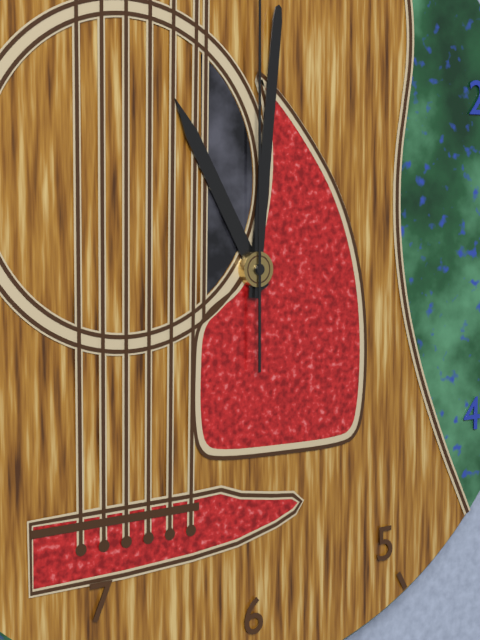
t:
11:01
